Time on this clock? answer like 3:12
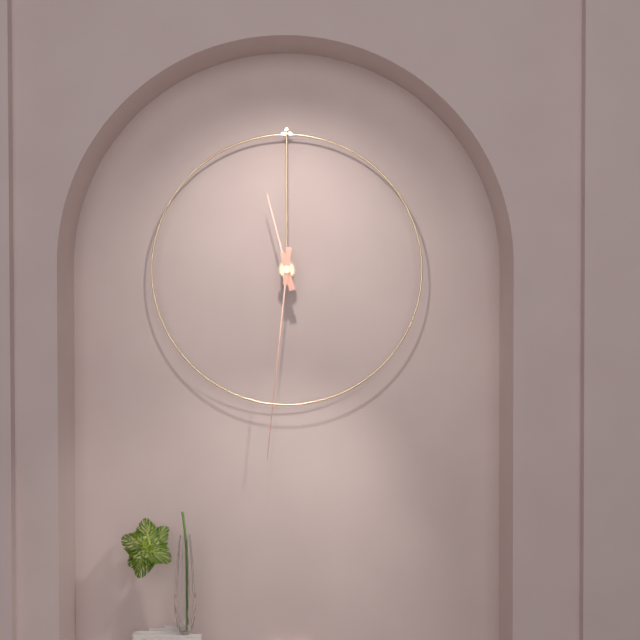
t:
11:31
